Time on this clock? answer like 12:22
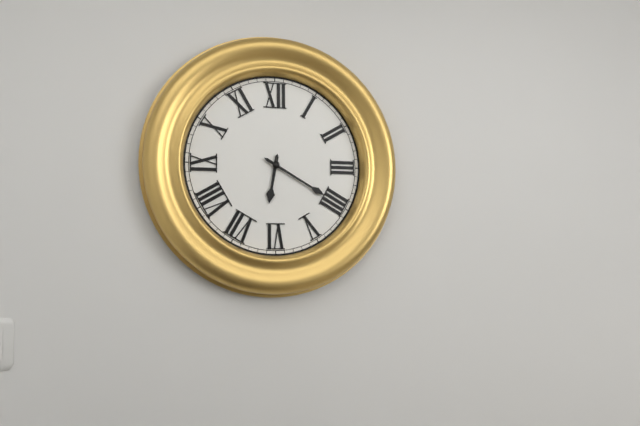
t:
6:20
